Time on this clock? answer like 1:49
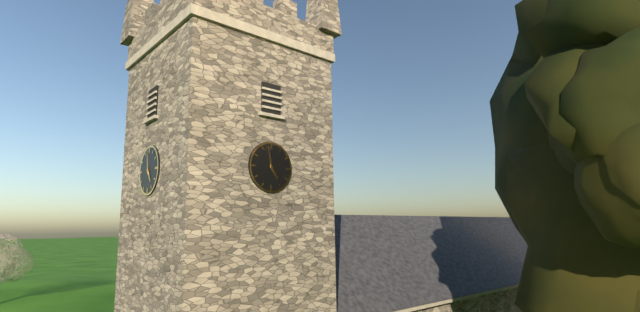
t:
4:58
